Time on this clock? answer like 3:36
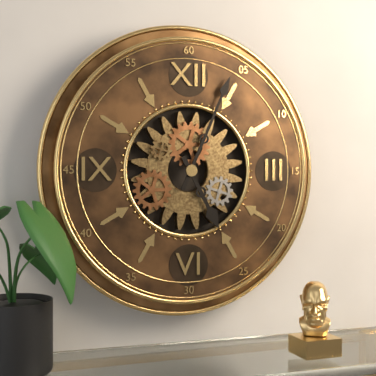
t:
5:04
